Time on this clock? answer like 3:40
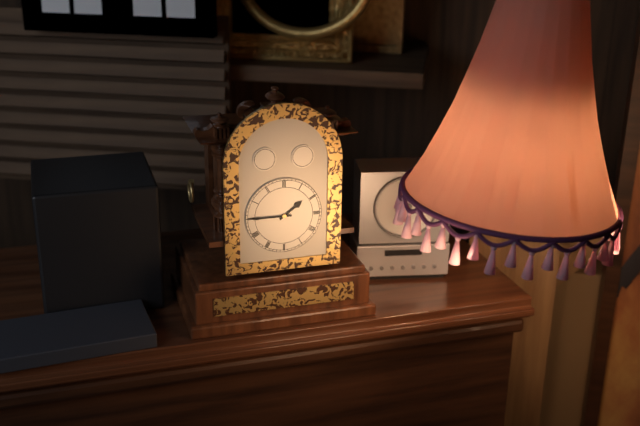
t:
1:45
